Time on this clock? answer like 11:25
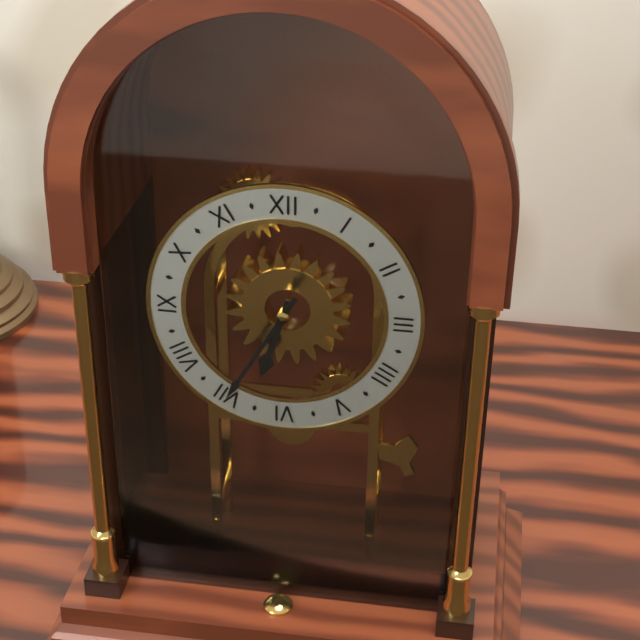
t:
6:35
